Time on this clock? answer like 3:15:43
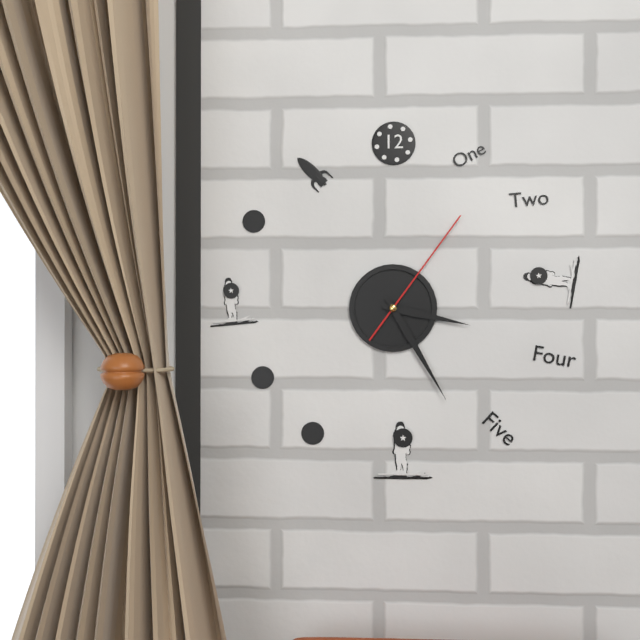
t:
3:25:06
